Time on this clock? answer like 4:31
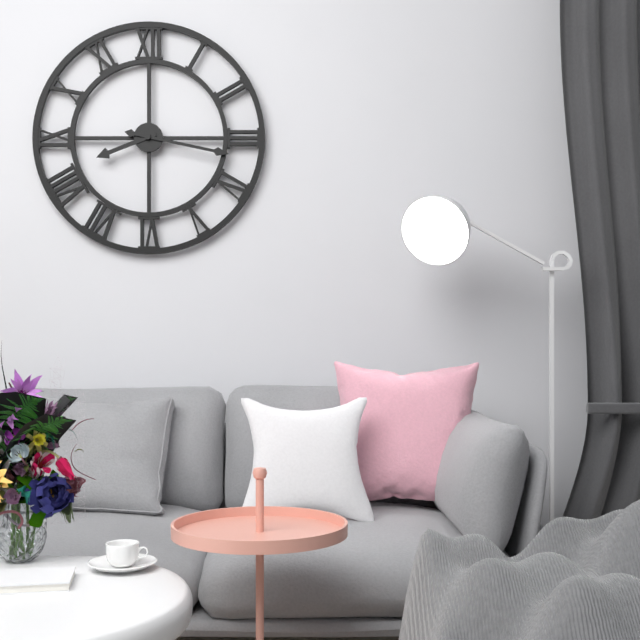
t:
8:17
